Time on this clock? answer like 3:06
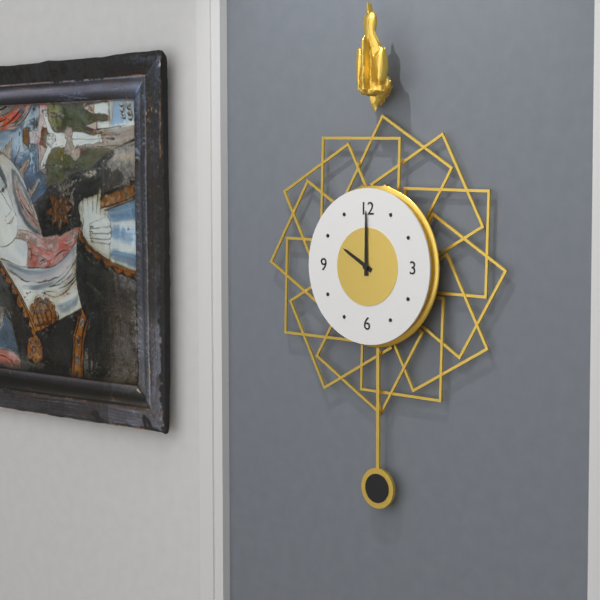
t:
10:00
